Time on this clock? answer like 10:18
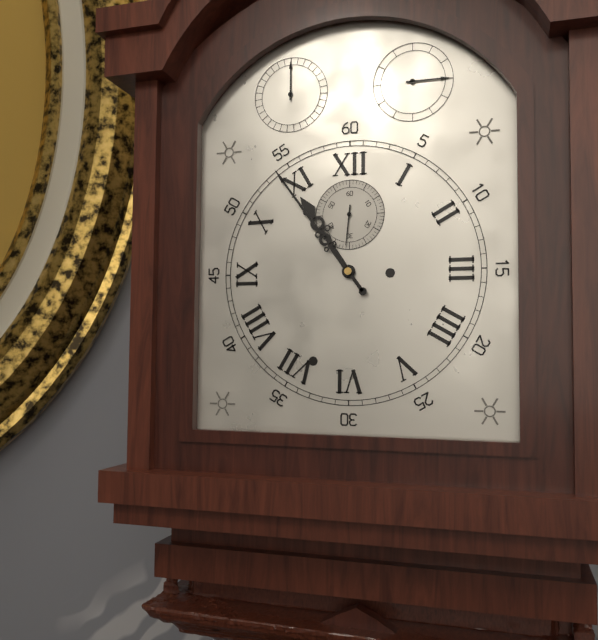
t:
10:54
